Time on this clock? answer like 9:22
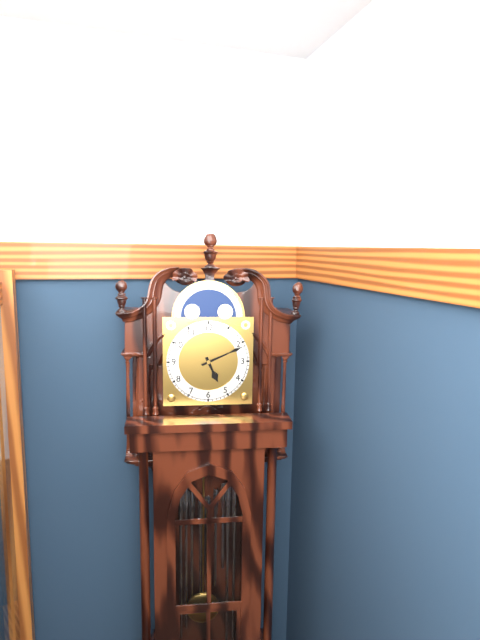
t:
5:11
